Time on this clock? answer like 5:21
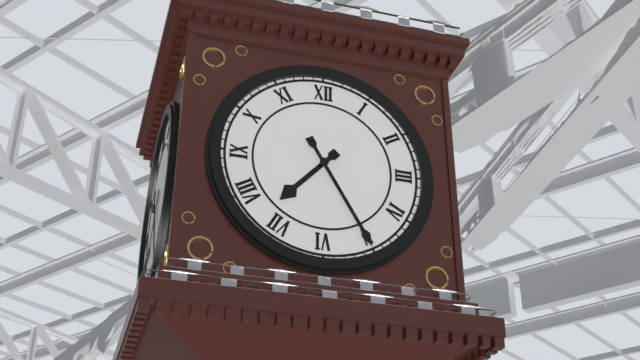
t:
7:25
